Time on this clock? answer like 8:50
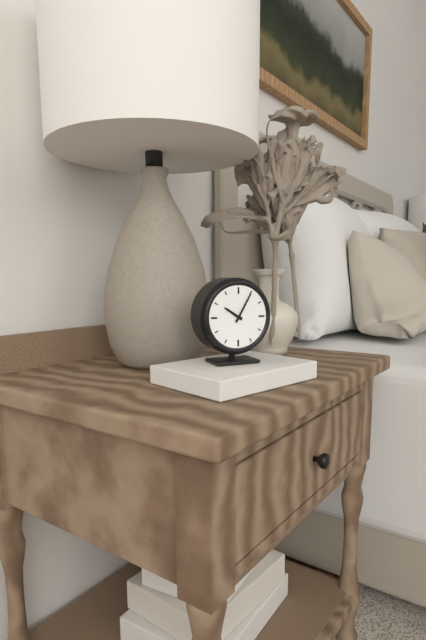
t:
10:05
